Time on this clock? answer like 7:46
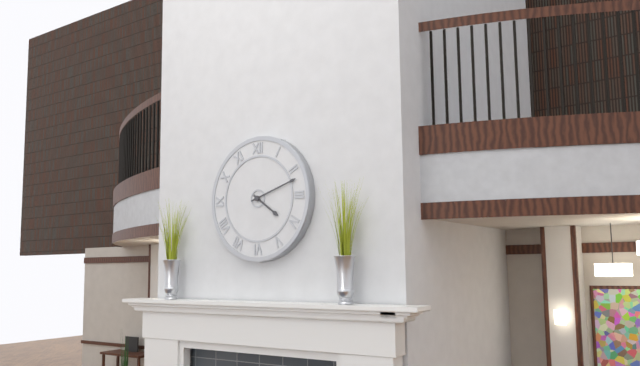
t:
4:12
